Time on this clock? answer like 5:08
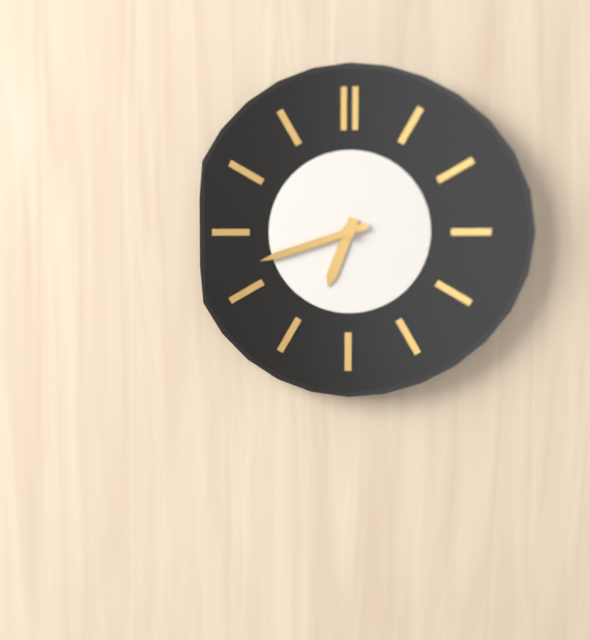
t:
6:42
